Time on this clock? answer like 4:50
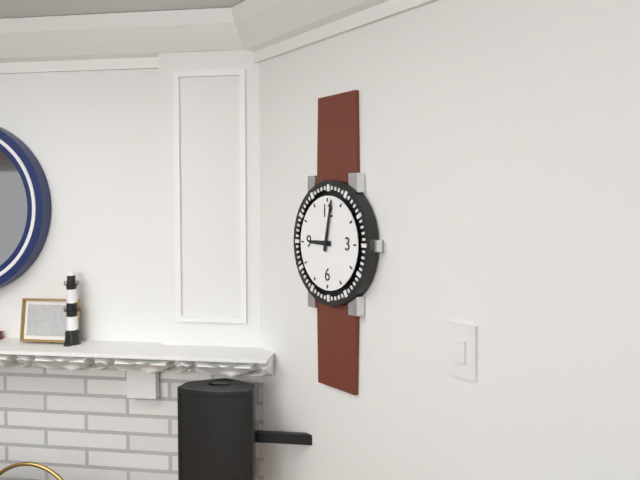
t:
9:02
